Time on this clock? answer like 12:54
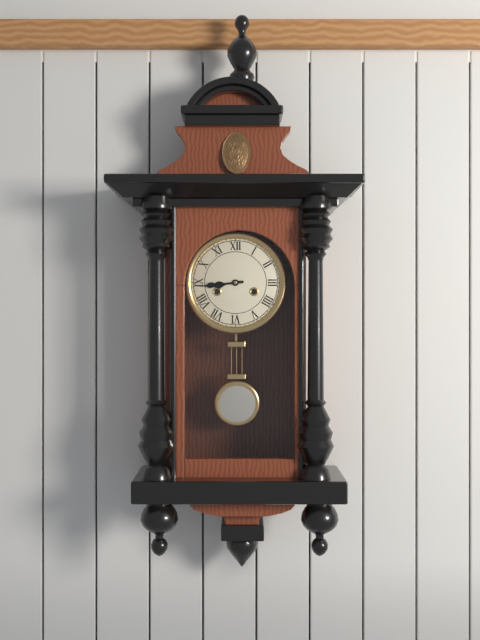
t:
8:44
